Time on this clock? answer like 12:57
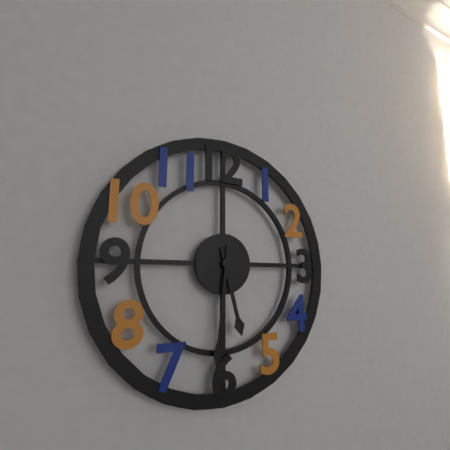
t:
5:31
